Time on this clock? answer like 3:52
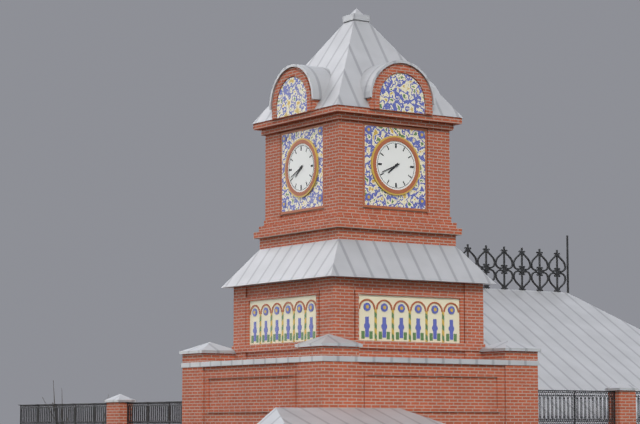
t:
7:41
